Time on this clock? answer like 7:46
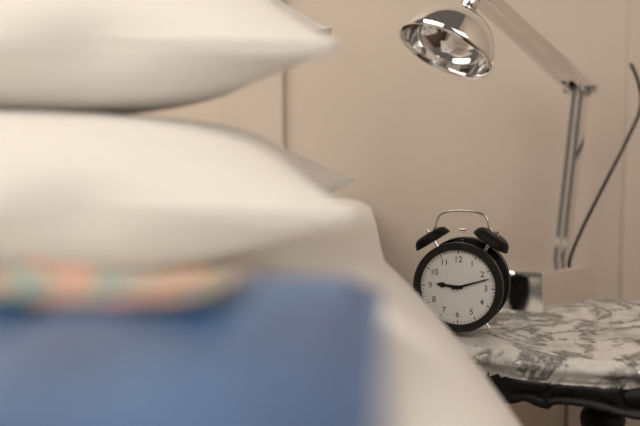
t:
9:12
